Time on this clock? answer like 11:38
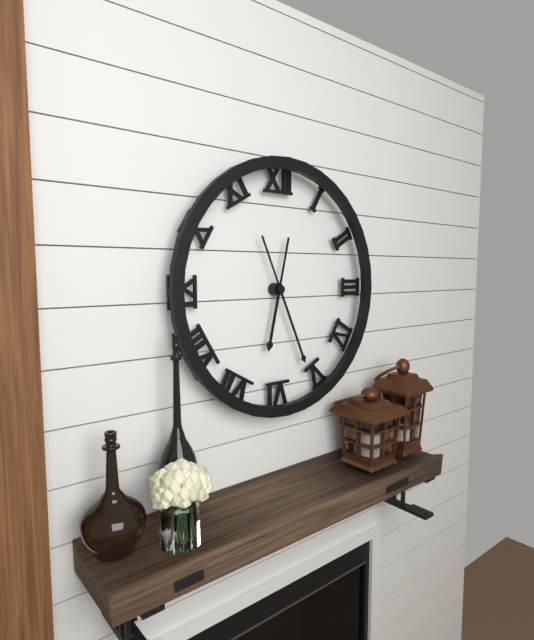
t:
6:26
